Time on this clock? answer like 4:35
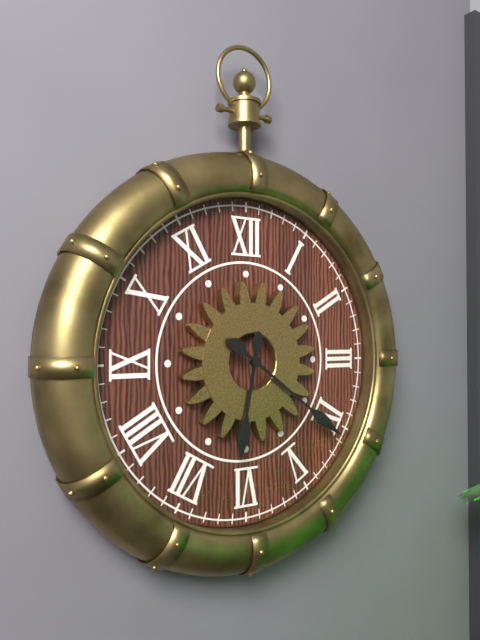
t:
6:21
